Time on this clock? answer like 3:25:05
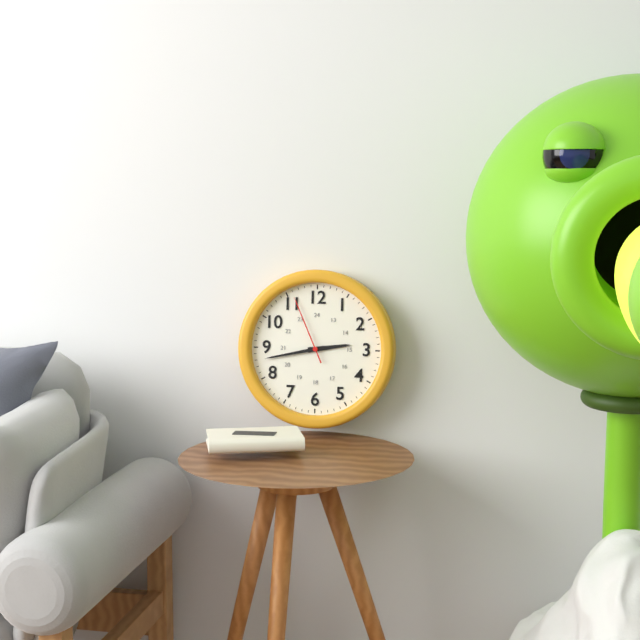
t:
2:43:56
